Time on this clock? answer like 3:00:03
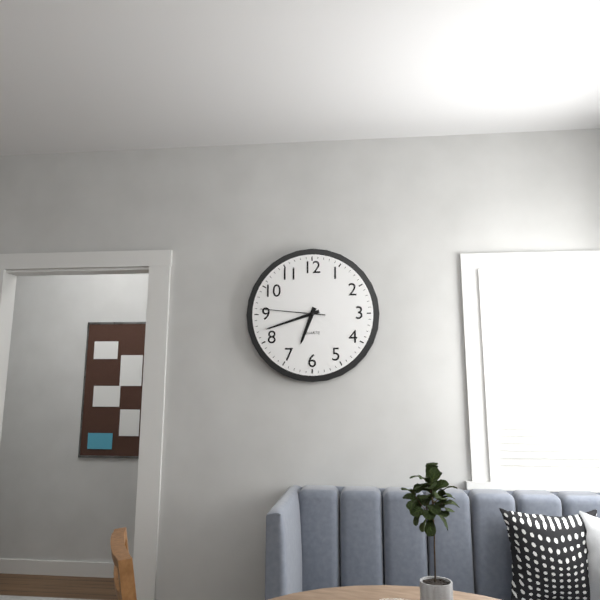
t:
6:42:46
